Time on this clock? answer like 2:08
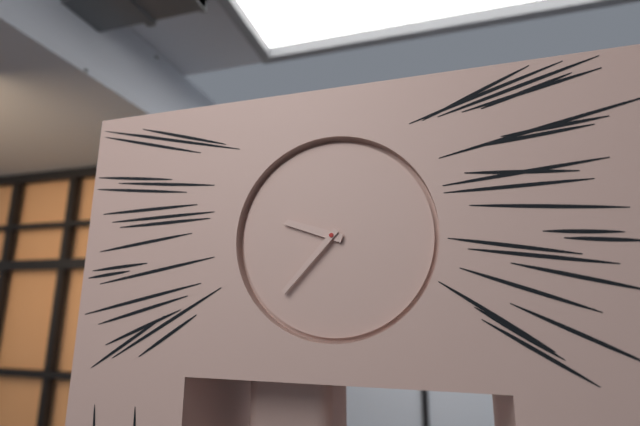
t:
9:37
